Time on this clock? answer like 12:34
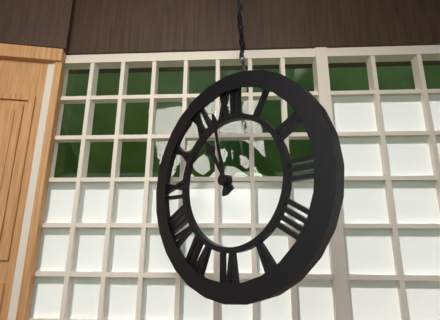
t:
10:58
